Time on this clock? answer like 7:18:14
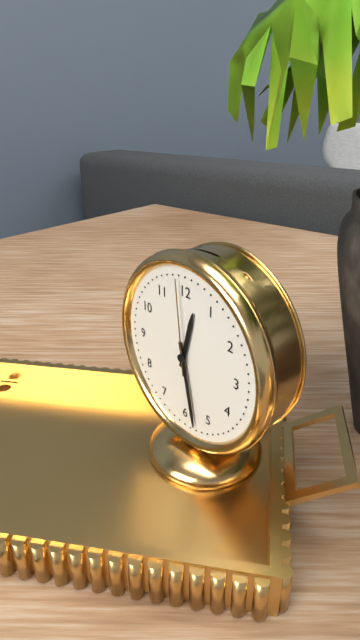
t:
12:28:59
